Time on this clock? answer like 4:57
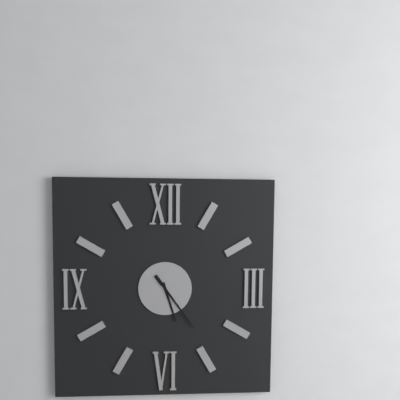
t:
5:24
